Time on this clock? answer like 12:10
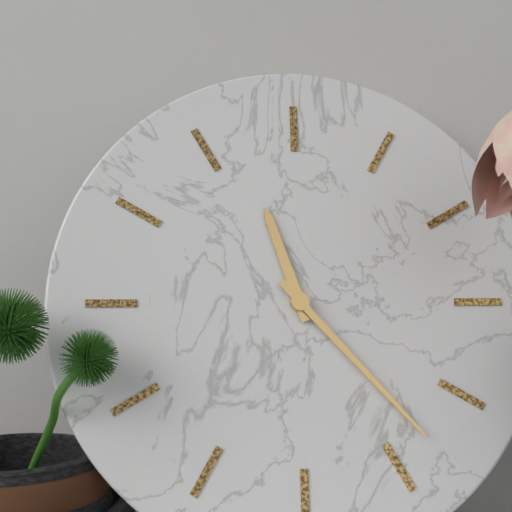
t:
11:23
